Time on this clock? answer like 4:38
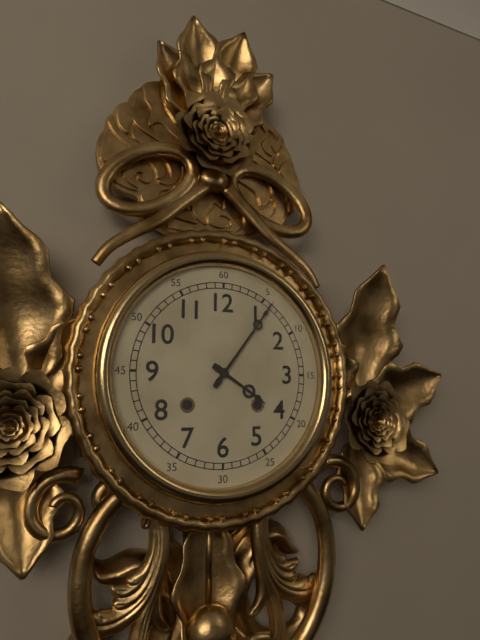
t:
4:06
